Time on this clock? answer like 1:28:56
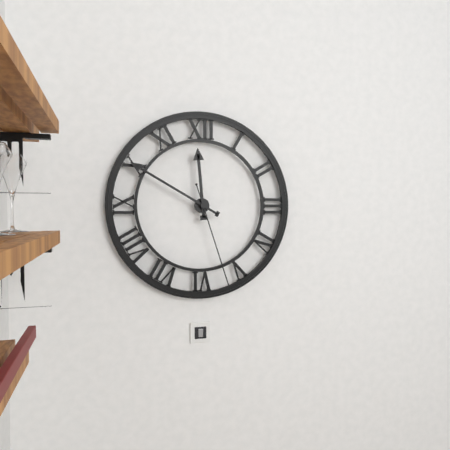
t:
11:50:27
